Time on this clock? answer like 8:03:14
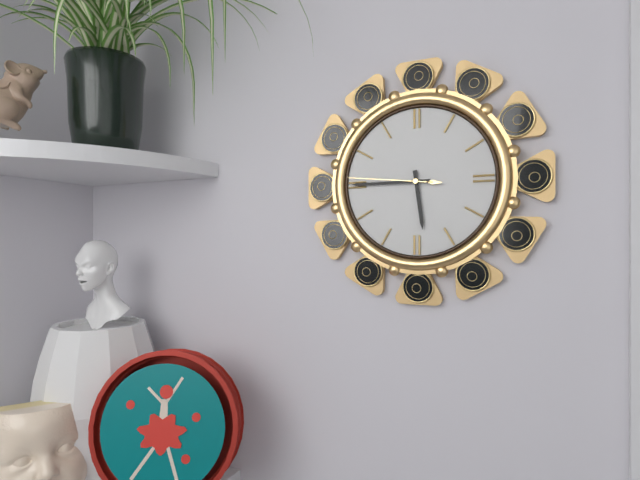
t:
5:45:46
